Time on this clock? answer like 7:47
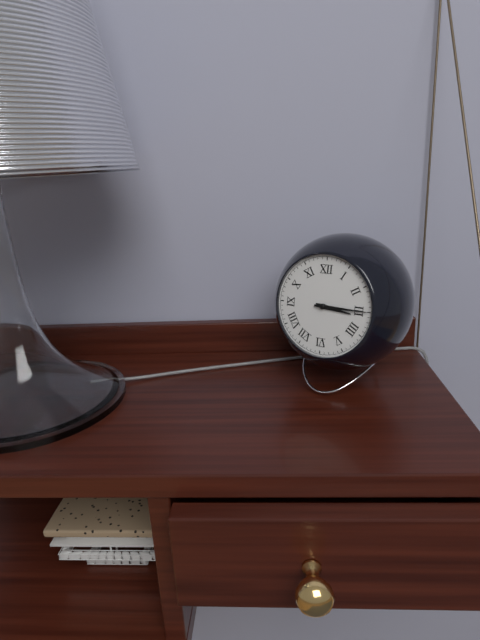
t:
3:15
